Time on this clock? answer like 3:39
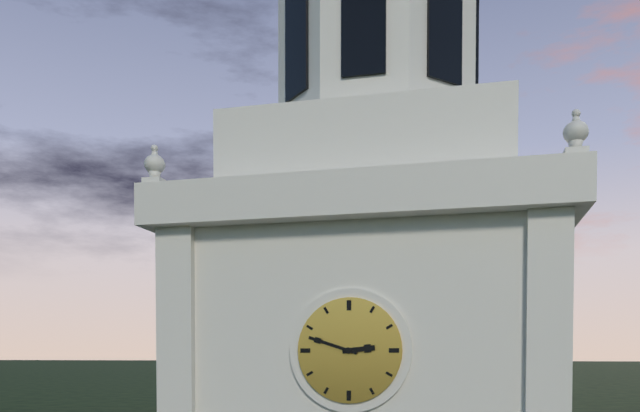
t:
2:48
